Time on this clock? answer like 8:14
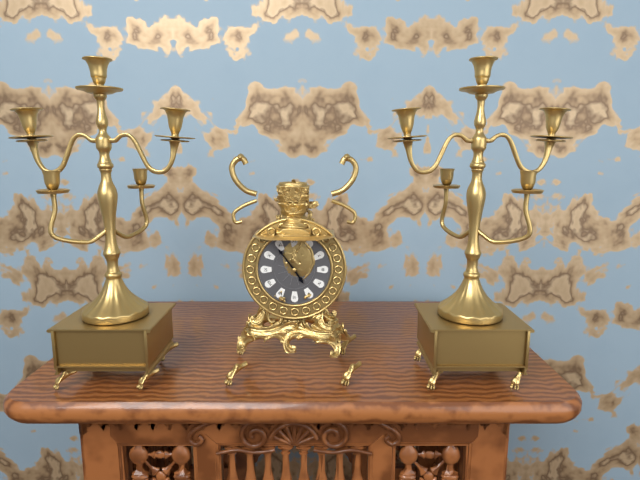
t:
4:54
